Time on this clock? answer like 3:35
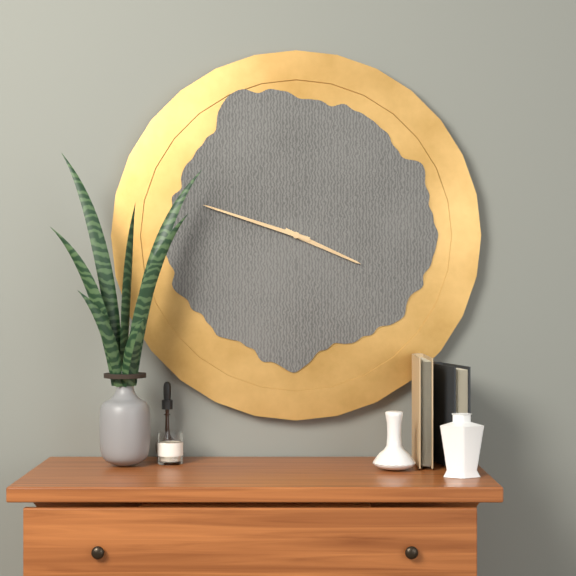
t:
3:48
